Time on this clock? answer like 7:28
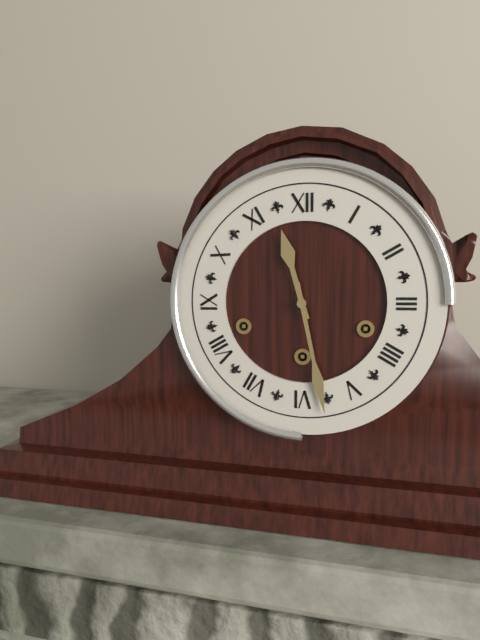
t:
11:28
